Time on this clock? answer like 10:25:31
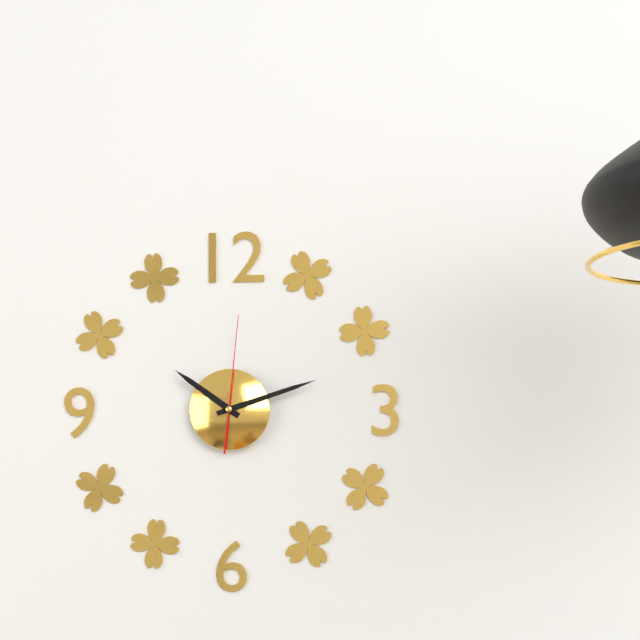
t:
10:12:01
